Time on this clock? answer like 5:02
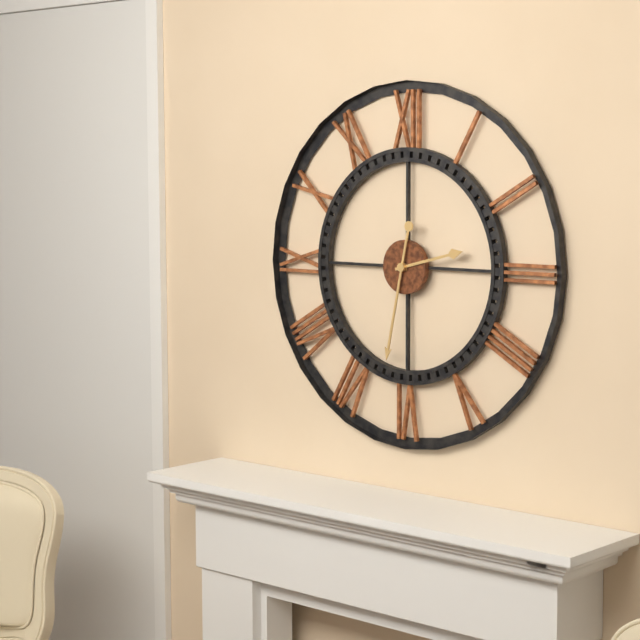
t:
2:32
